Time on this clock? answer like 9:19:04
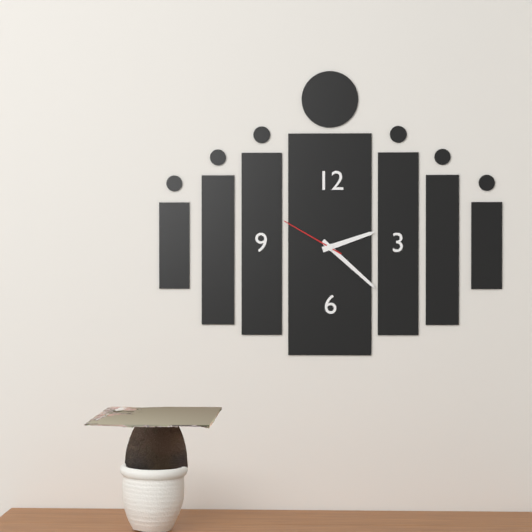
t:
2:22:50
